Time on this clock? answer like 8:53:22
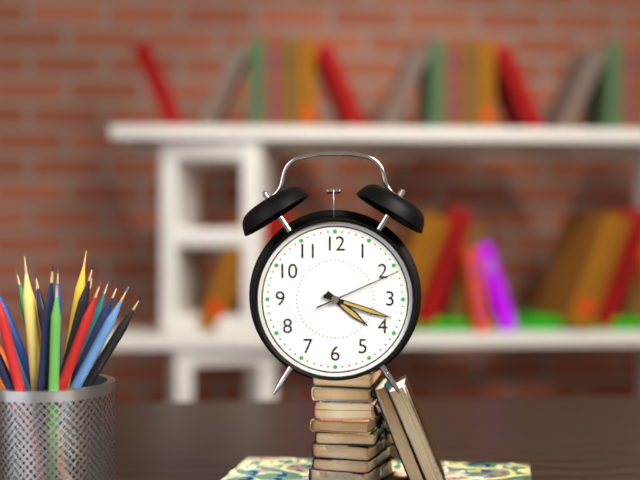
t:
4:18:11
